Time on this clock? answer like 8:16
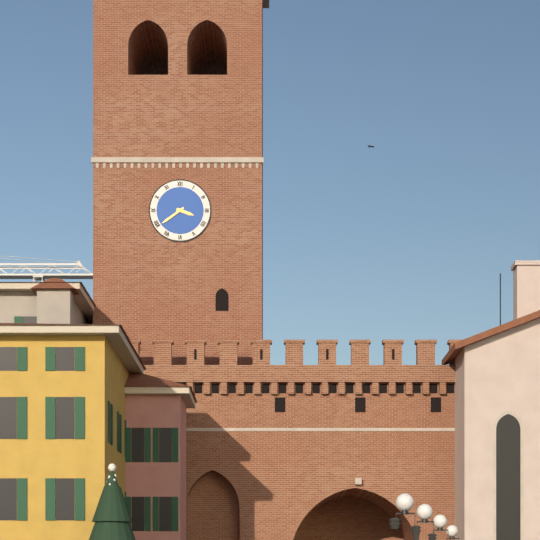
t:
3:39
